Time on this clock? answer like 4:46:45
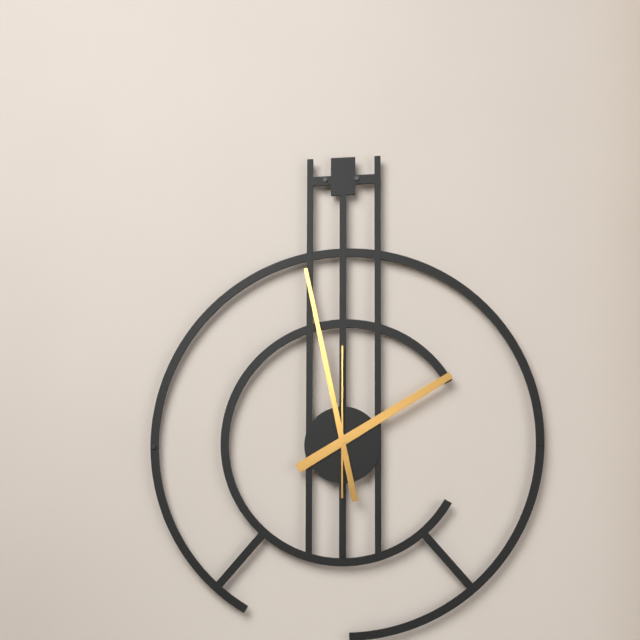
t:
1:58:00
